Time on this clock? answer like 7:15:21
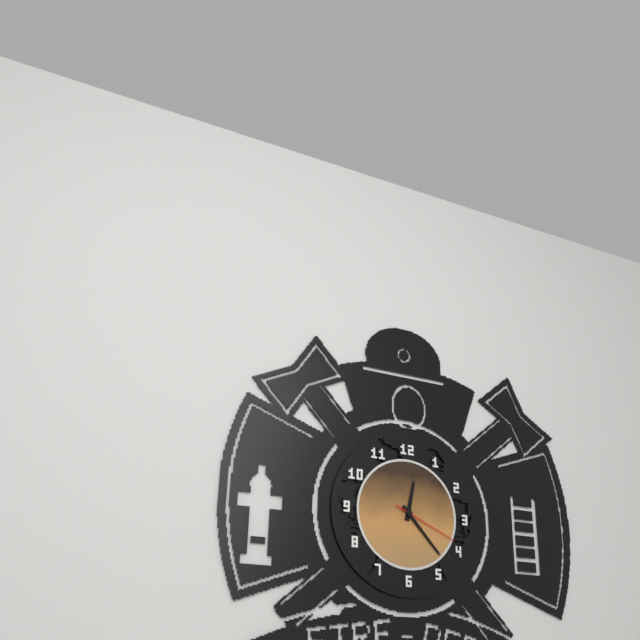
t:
12:23:19
